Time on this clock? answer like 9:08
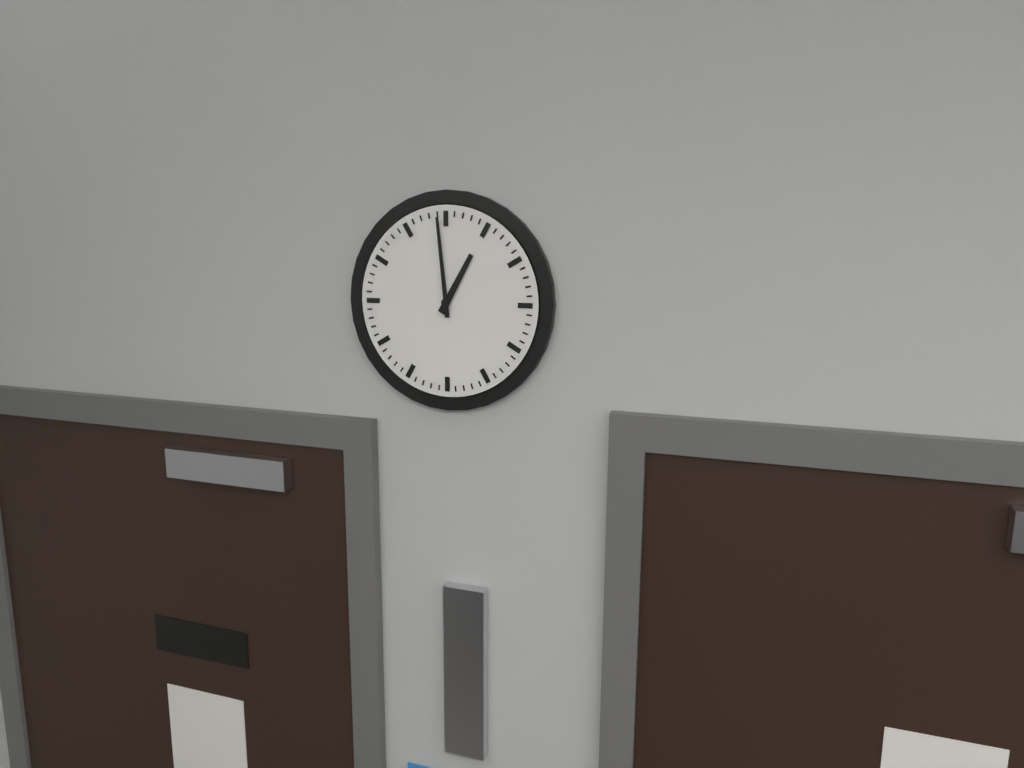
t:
12:59
